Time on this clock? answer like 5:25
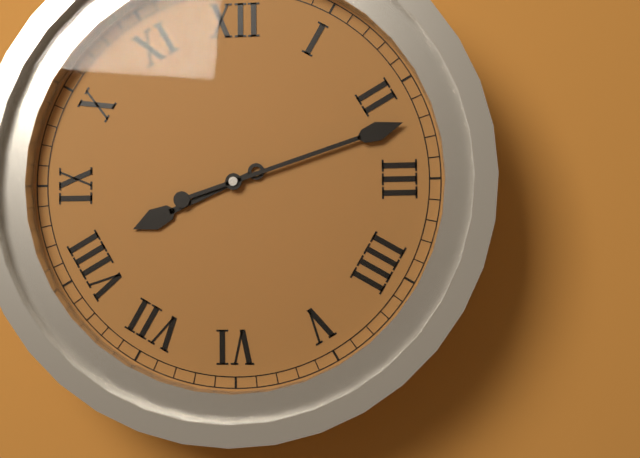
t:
8:12
